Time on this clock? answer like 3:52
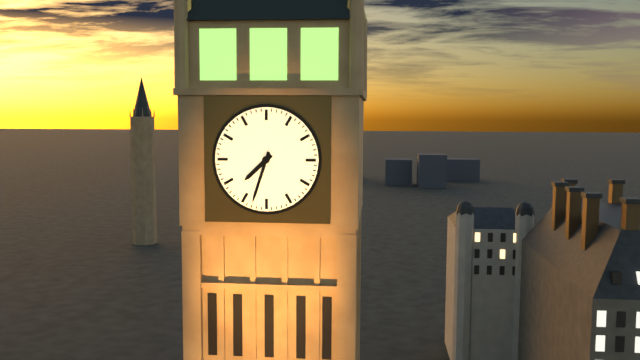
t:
7:33
